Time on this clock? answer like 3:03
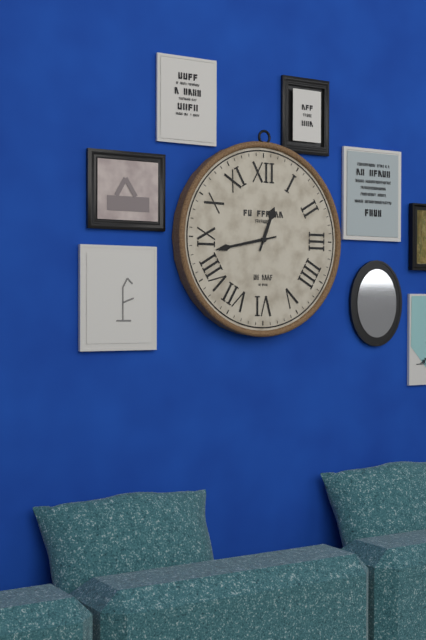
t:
12:43
